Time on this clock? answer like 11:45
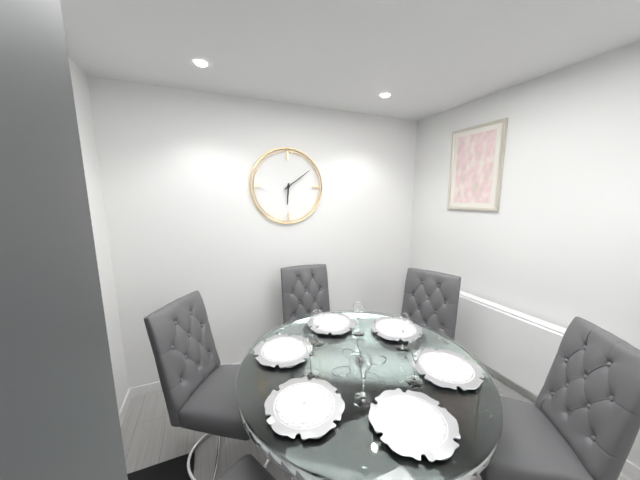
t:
6:09
